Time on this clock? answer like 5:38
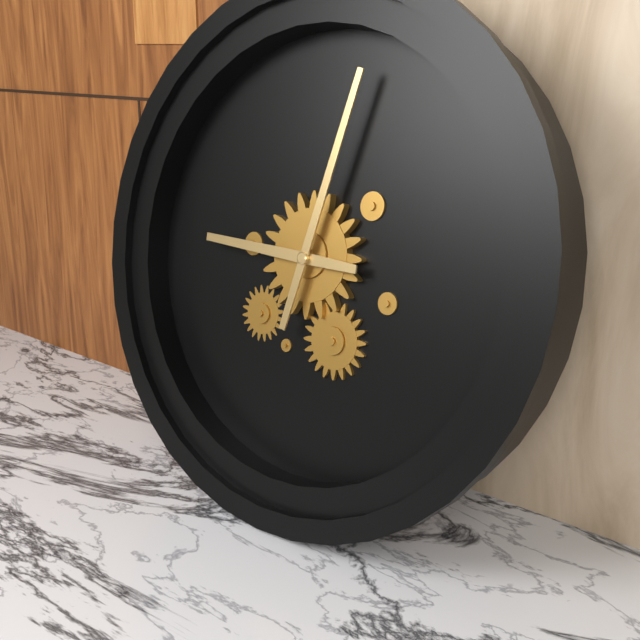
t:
9:02
